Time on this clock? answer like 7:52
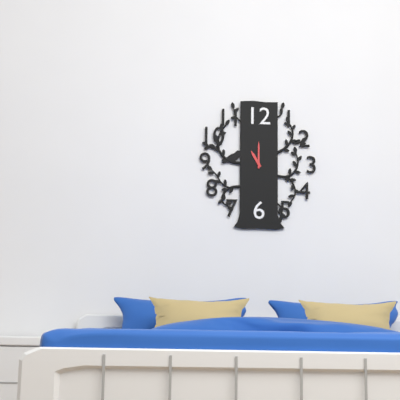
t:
11:00
